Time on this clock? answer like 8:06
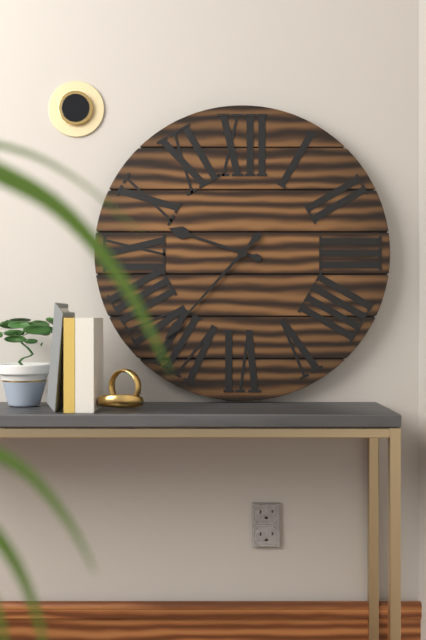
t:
9:37
